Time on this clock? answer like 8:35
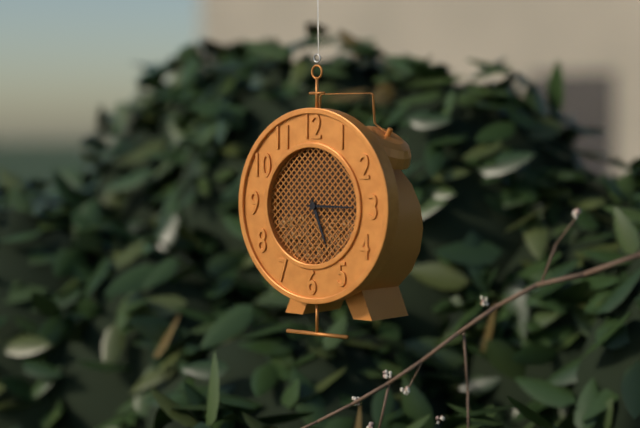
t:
5:15
